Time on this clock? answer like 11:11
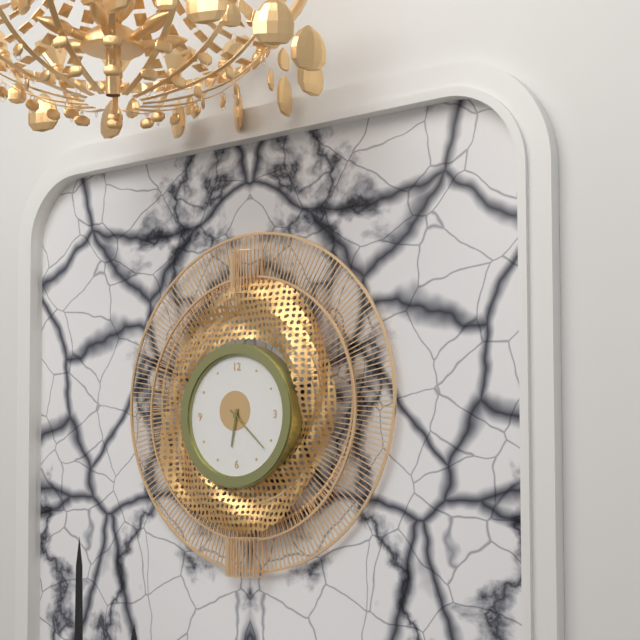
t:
6:22
